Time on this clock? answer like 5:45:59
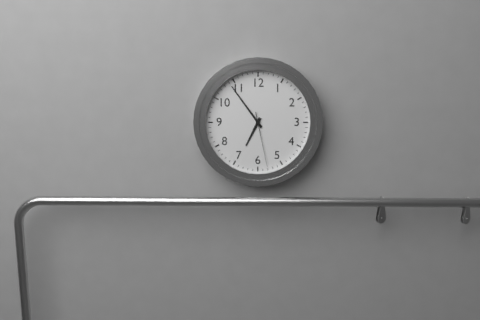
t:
6:54:28
